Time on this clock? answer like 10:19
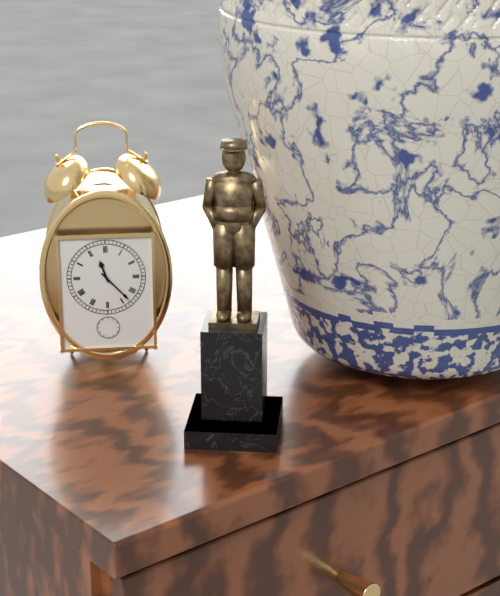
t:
11:23
